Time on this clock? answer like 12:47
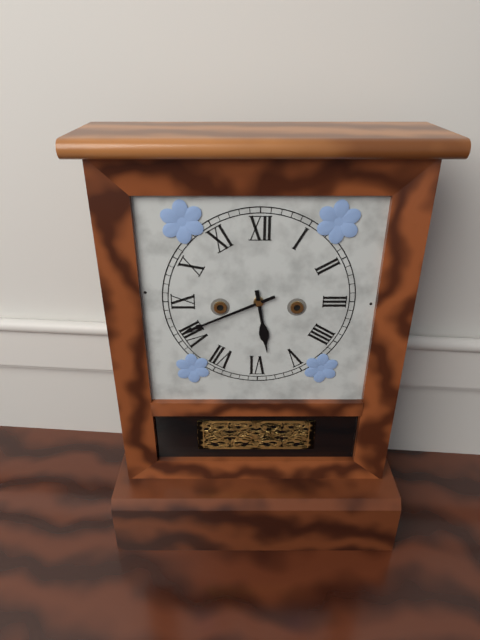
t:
5:41
